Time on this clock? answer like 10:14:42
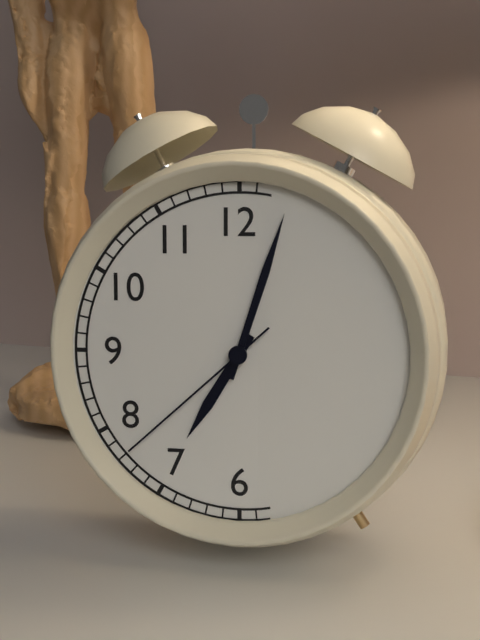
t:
7:03:38
